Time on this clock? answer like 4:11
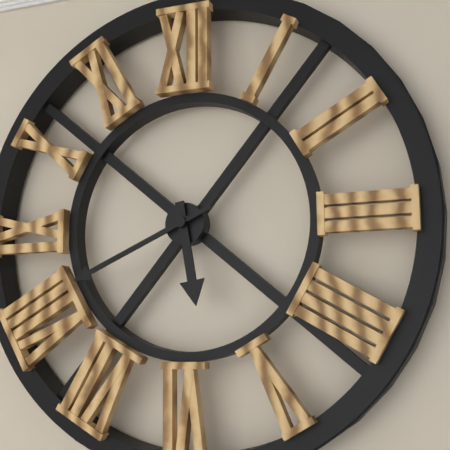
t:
5:41
